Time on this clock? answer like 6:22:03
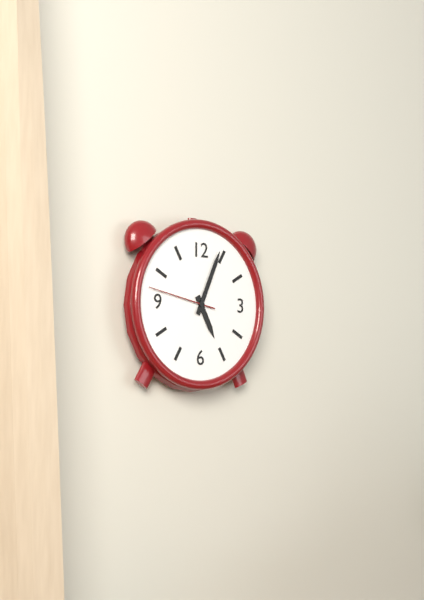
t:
5:04:47
